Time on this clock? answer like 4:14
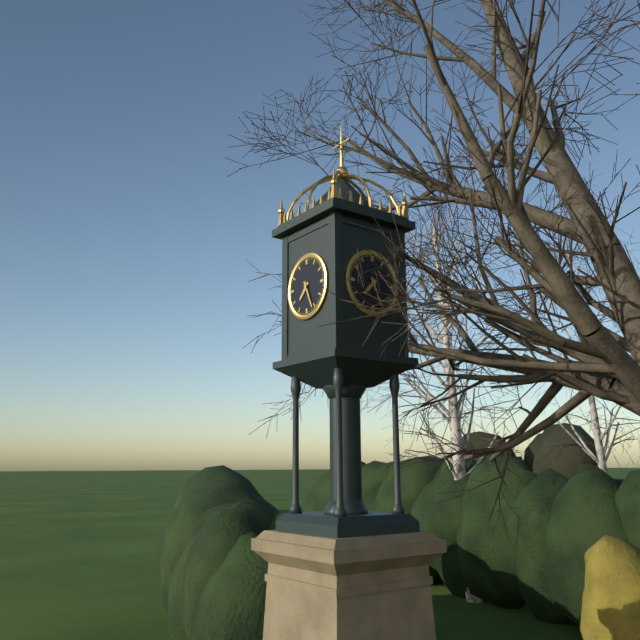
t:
7:26
